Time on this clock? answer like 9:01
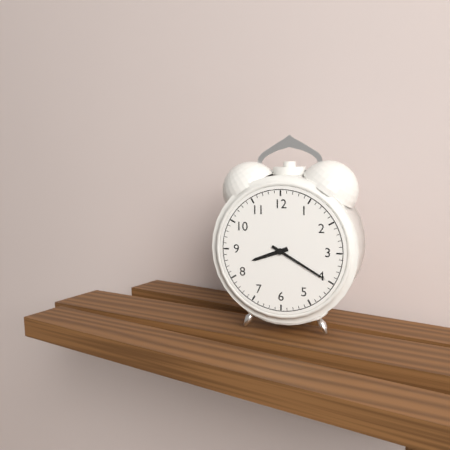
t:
8:20
